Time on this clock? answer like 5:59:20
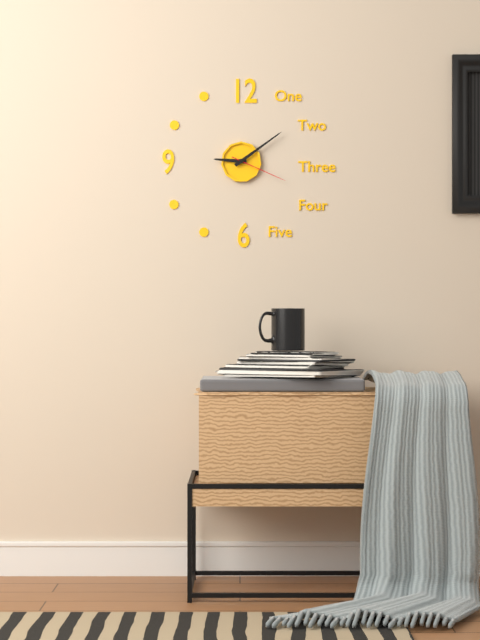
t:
9:09:19
